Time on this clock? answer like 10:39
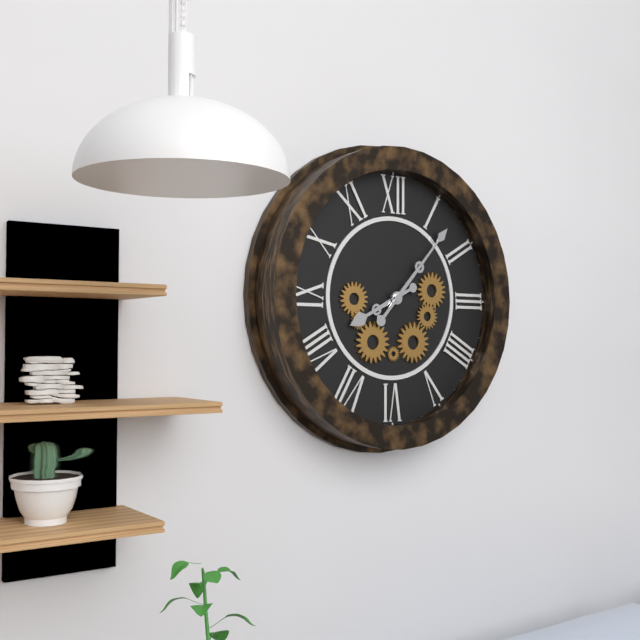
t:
8:07
